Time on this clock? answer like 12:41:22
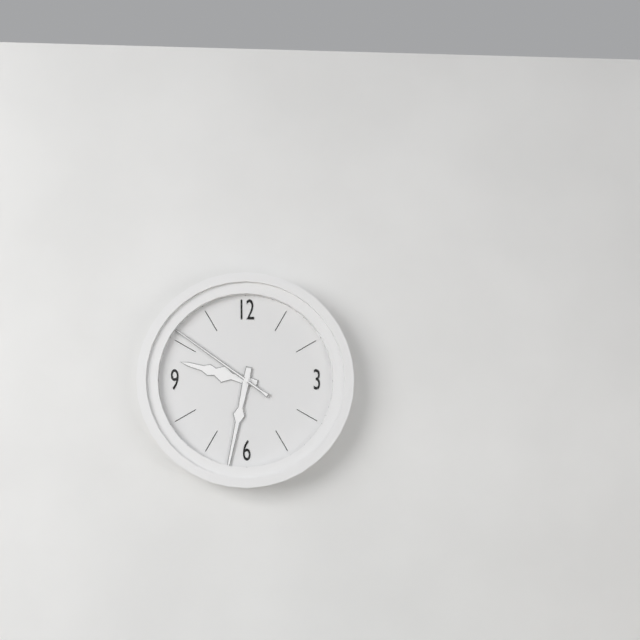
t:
9:32:51
